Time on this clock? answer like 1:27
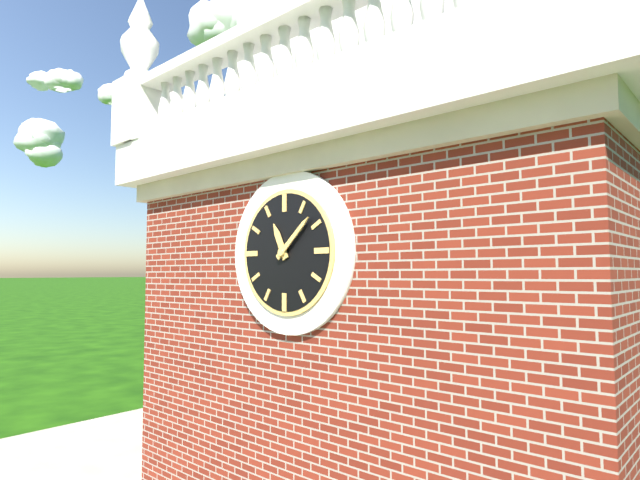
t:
11:08
